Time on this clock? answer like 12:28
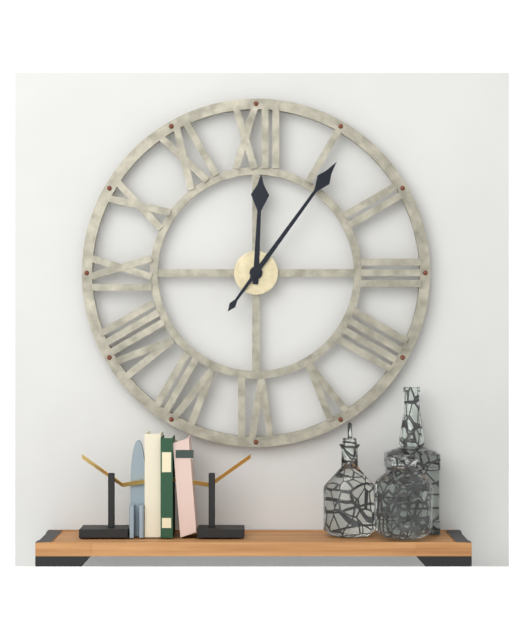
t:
12:06
